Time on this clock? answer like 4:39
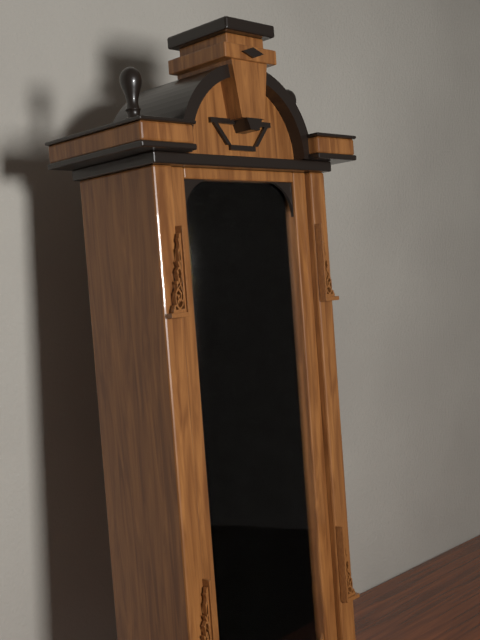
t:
4:51
